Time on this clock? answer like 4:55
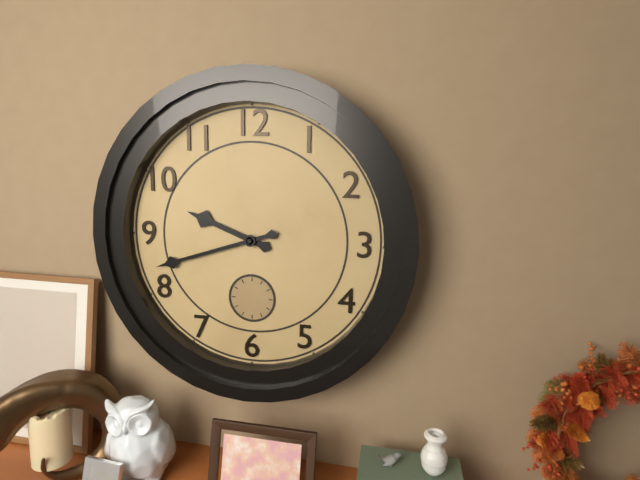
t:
9:42
